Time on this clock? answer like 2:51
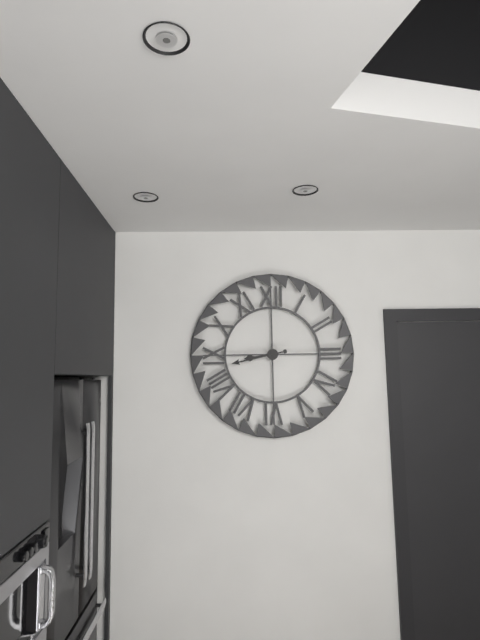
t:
8:43
